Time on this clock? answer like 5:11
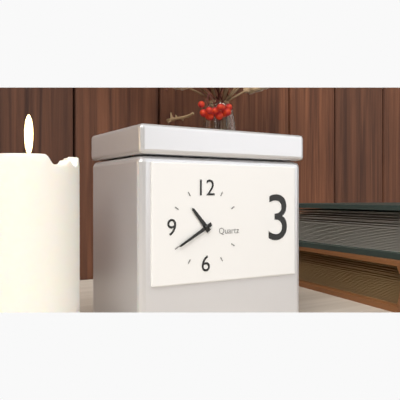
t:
10:40
